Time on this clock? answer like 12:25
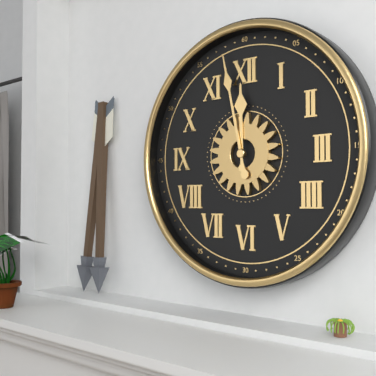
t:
11:58
